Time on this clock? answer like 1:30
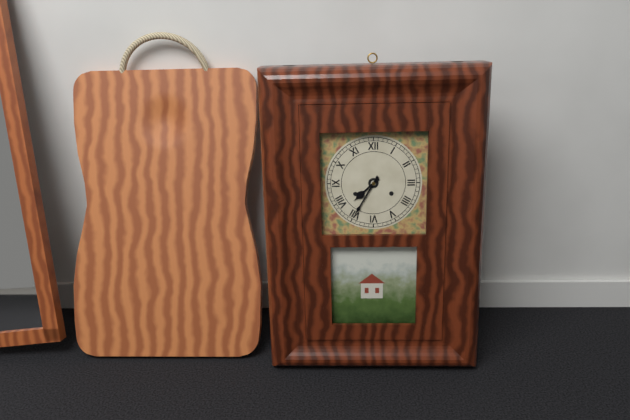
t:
7:35
